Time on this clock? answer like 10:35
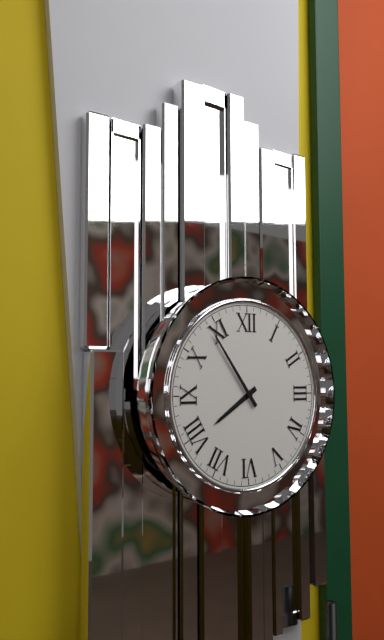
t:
7:54
